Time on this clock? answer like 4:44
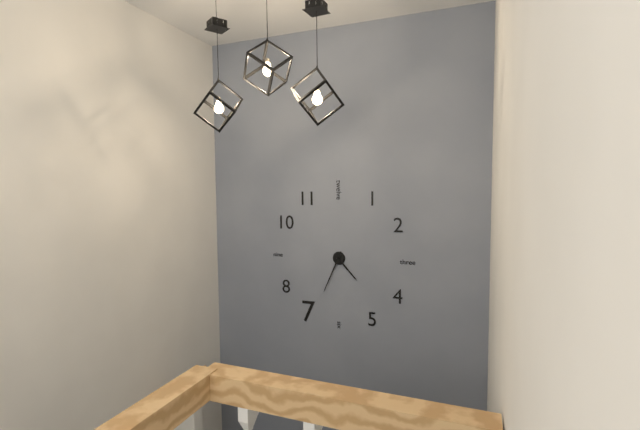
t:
4:34
